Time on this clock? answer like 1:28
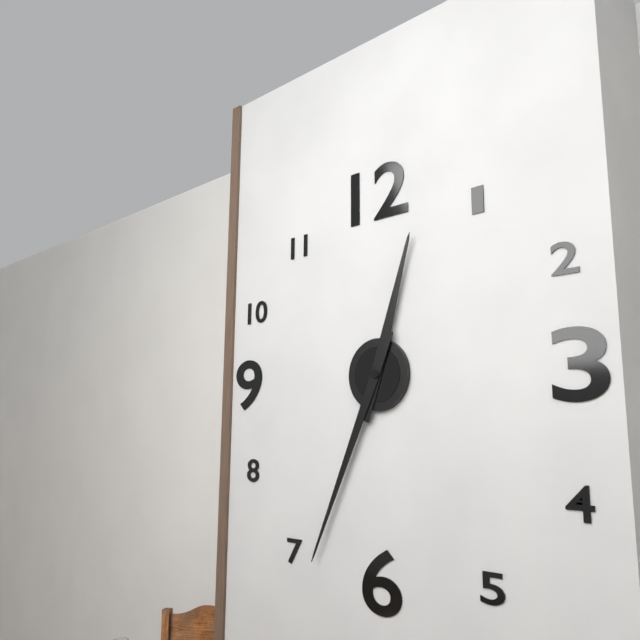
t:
12:34
